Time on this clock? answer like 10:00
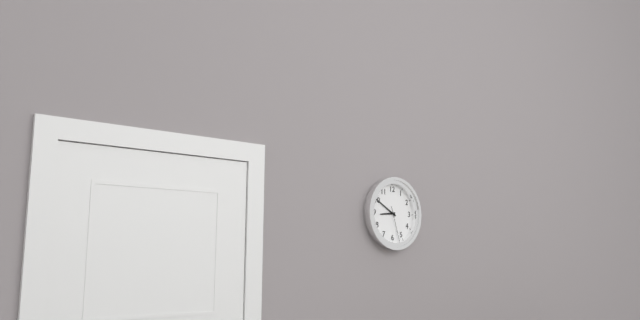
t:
8:50
